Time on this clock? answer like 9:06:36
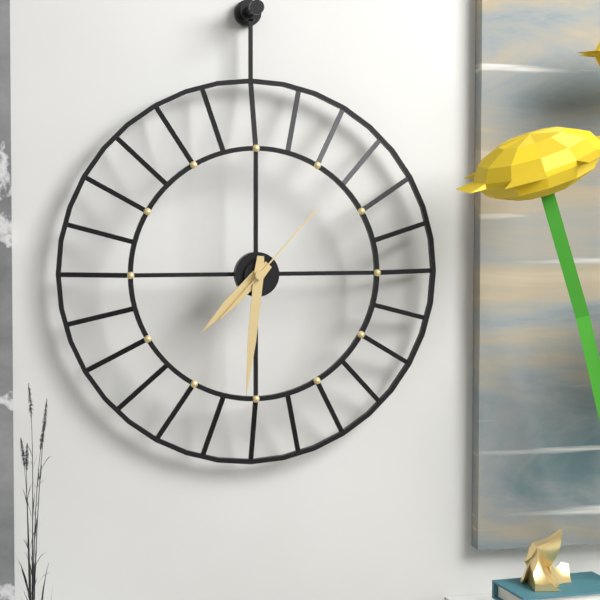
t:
7:31:07
